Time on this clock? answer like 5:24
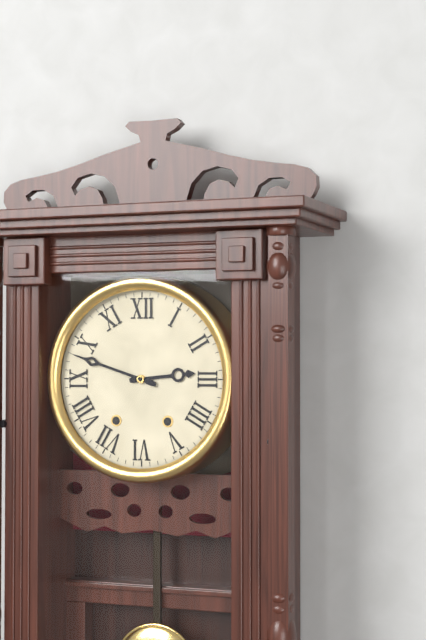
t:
2:48
